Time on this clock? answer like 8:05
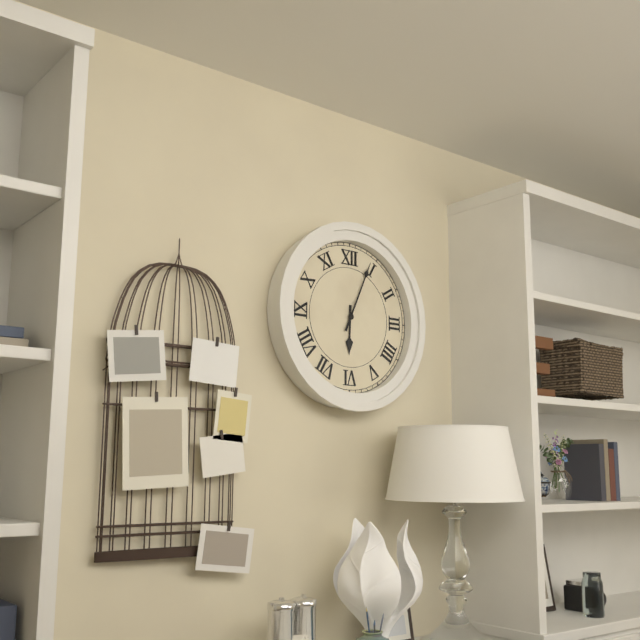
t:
6:04
